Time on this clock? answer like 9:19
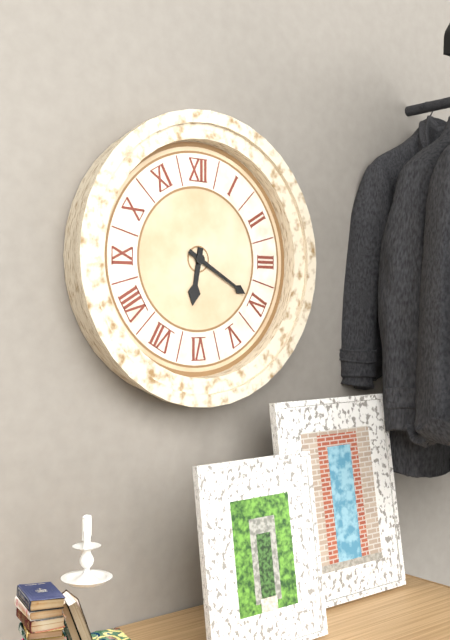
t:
6:20
